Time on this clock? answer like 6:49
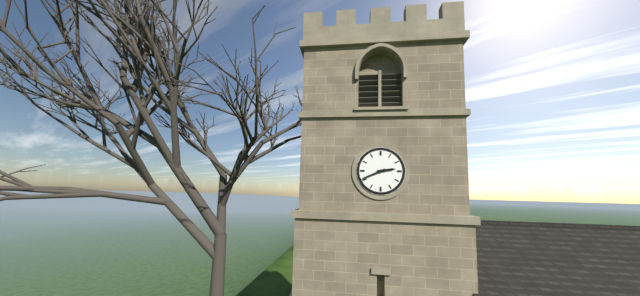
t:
2:41
